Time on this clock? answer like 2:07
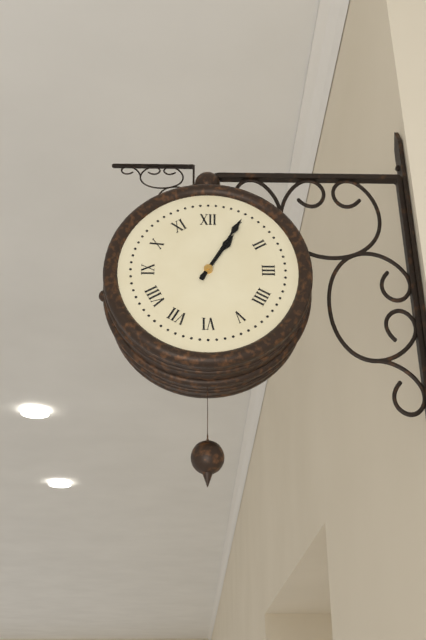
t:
1:05
